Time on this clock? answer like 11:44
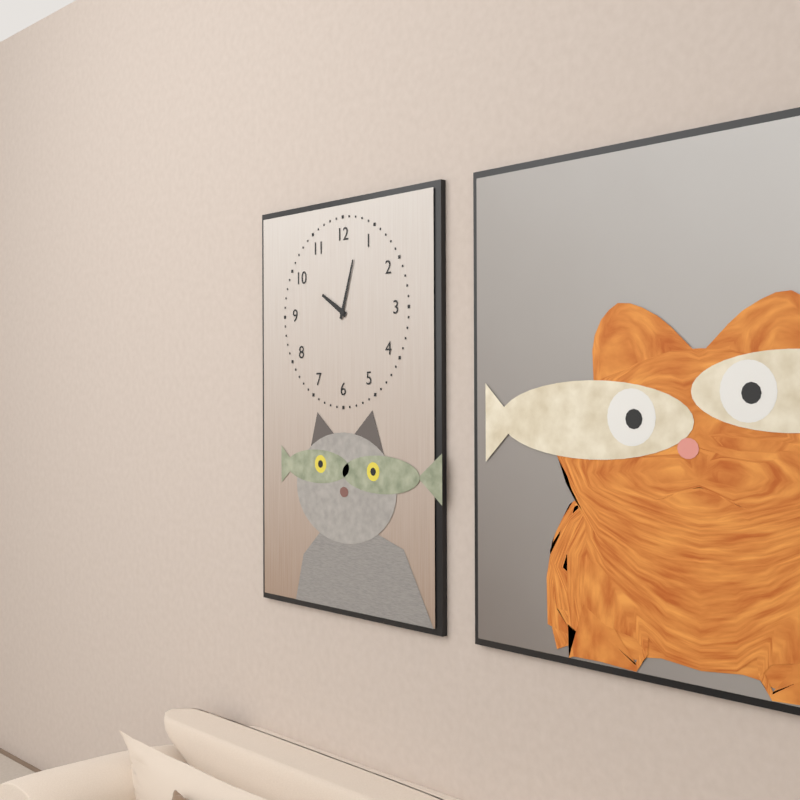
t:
10:03
